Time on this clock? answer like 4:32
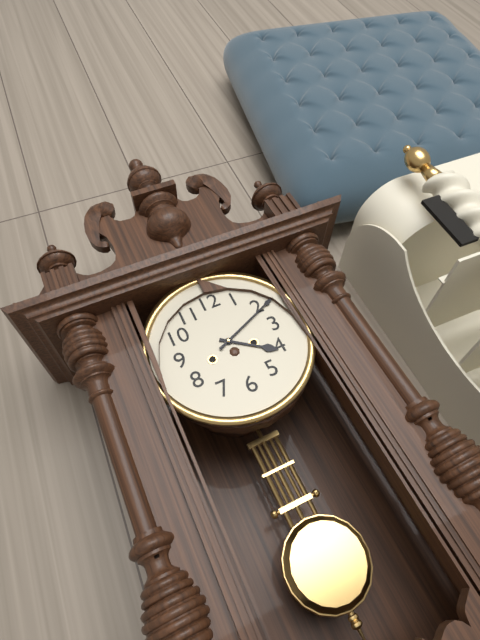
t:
4:11
